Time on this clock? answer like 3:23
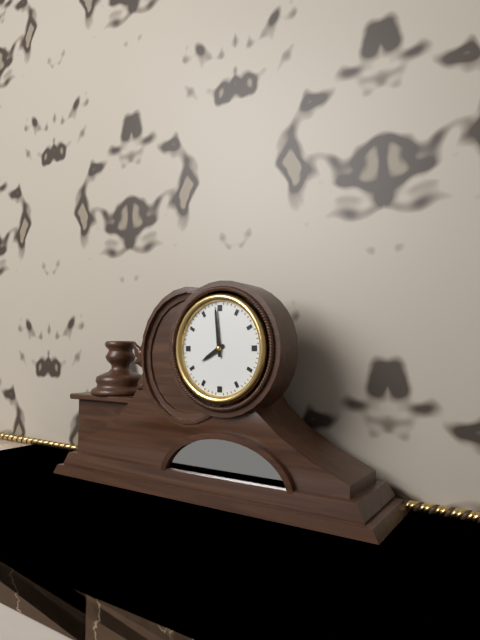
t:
7:59
